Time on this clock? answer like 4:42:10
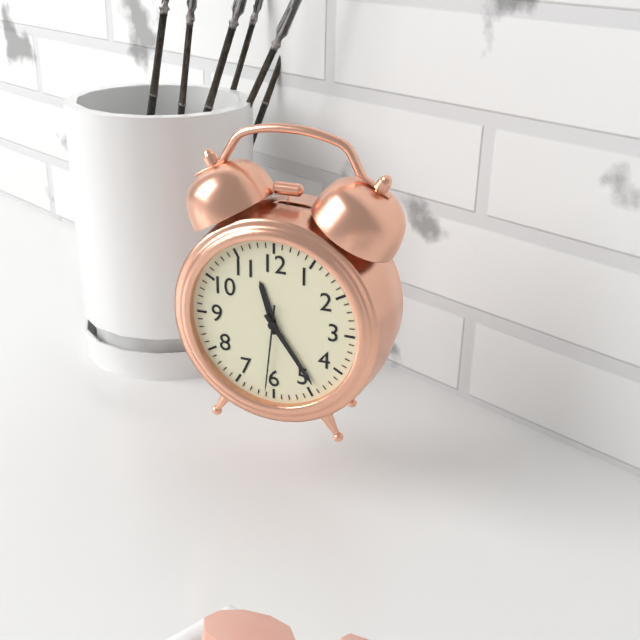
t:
11:24:31
